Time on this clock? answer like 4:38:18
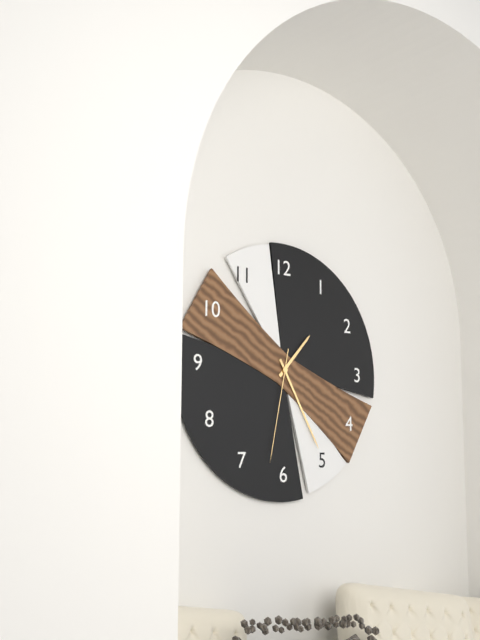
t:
1:25:32
